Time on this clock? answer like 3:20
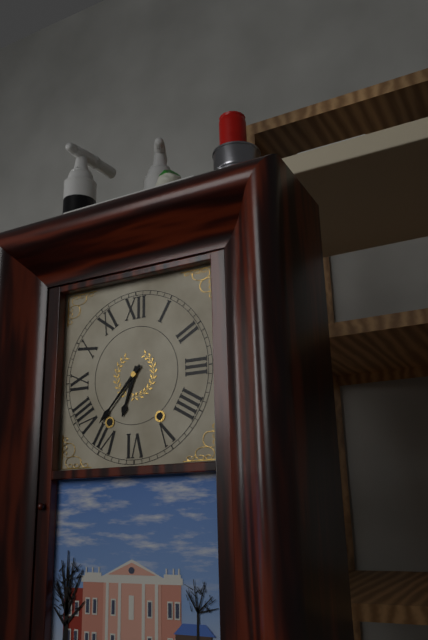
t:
6:37
